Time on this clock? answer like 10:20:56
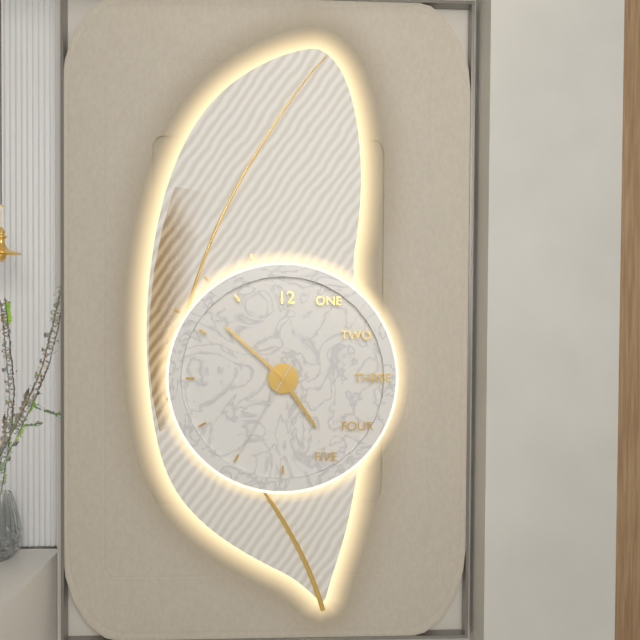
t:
4:52:35
